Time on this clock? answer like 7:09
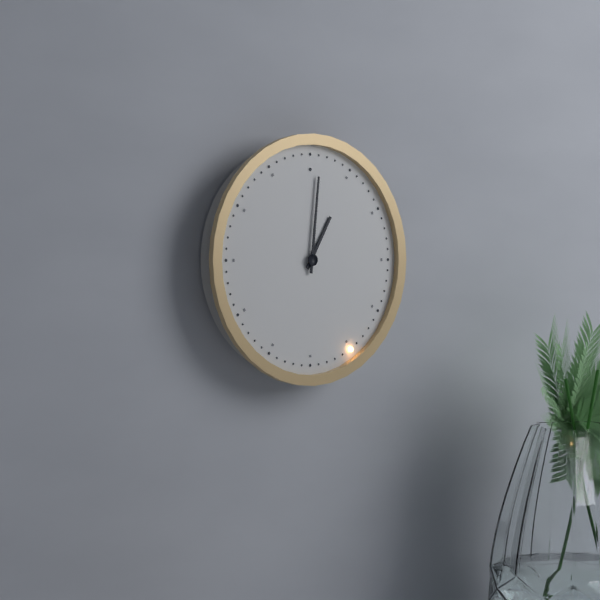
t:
1:01
